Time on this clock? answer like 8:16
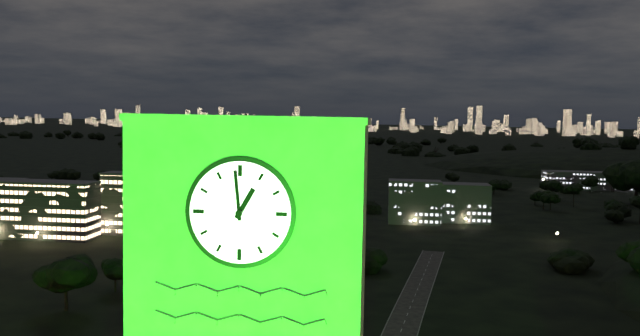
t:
12:59
